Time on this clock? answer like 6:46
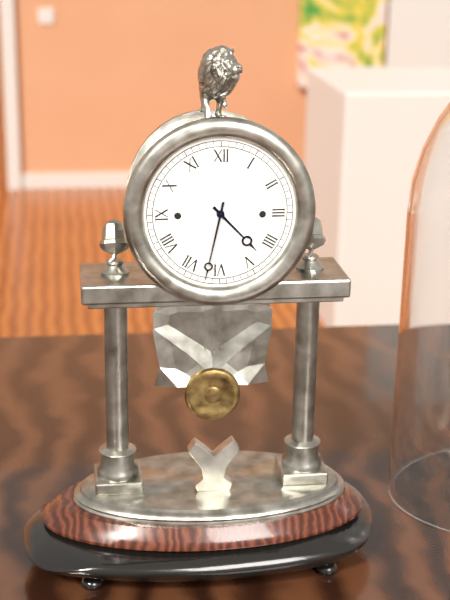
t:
4:32
